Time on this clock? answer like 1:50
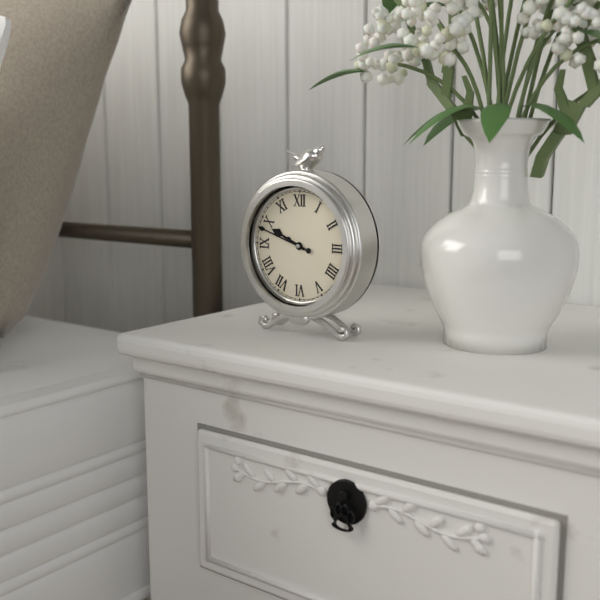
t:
9:48
